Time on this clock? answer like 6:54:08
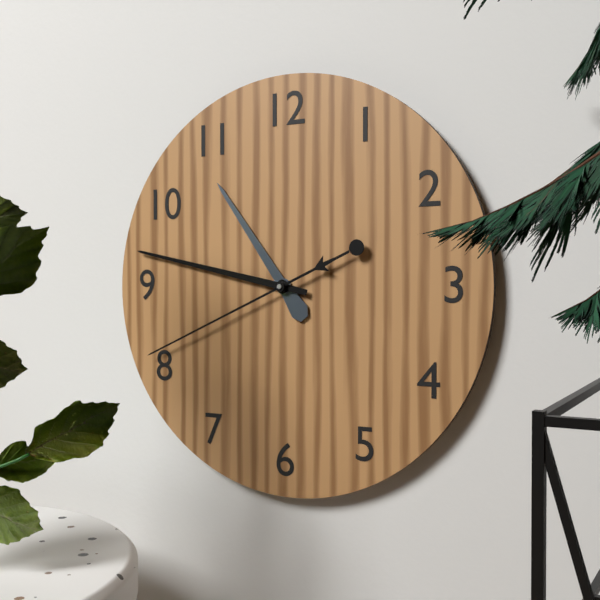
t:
10:47:41
